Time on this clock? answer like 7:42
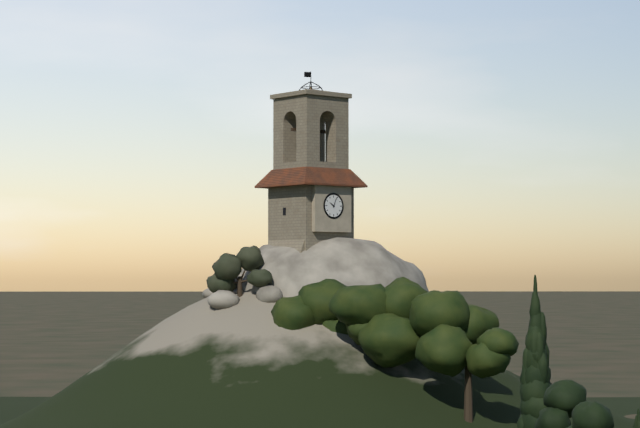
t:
10:04
